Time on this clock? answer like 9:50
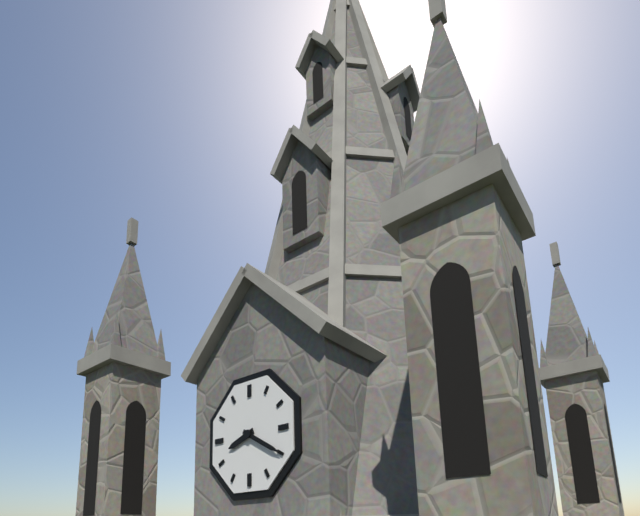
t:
8:20
